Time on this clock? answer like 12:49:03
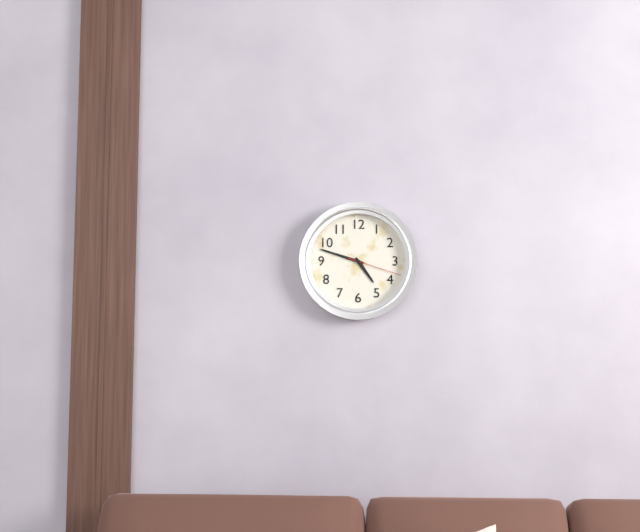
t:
4:48:18
